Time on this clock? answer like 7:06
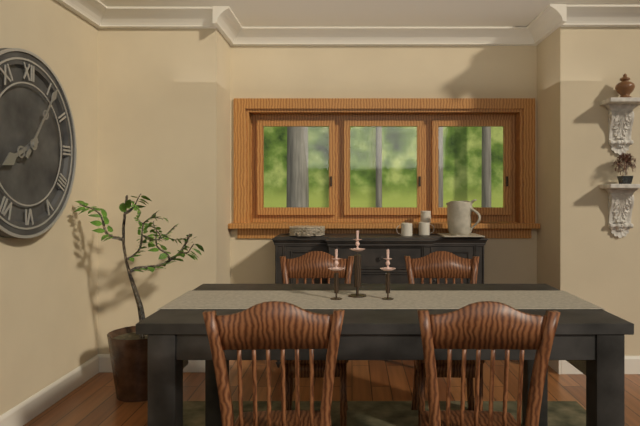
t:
8:06
